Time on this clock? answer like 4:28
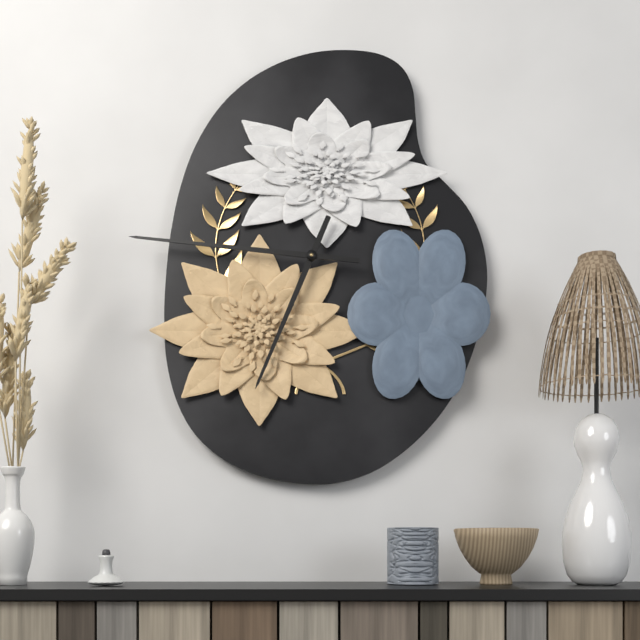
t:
6:46
